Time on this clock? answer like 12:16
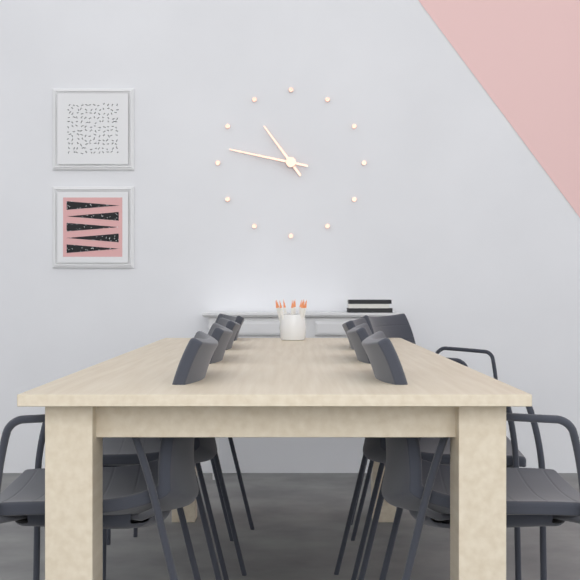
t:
10:47
